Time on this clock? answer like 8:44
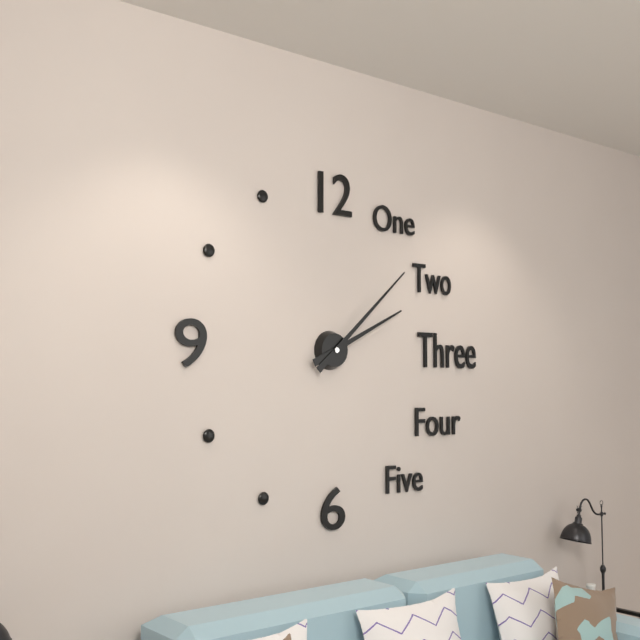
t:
2:08
